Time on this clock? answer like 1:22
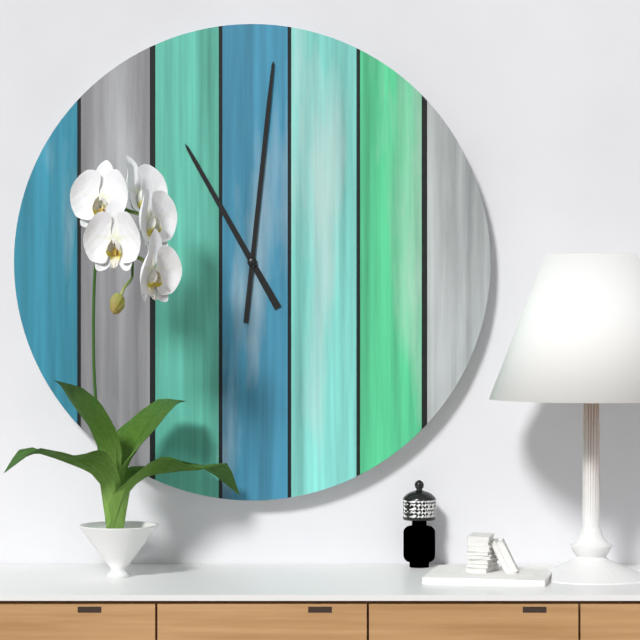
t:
11:01
